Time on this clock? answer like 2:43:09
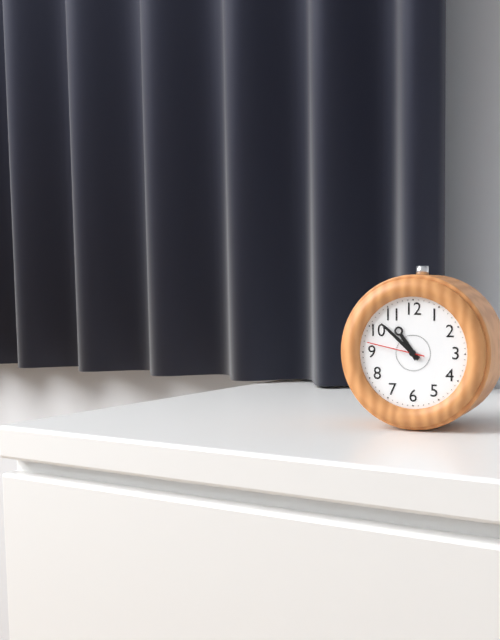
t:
10:52:47
